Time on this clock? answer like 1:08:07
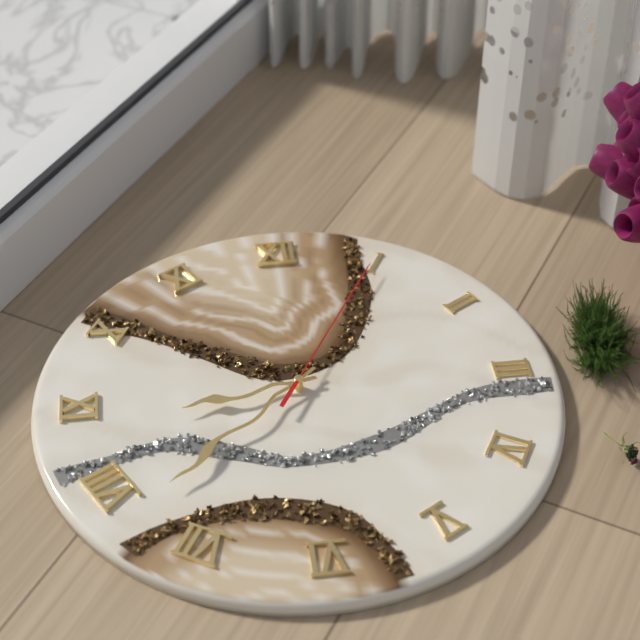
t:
8:38:05
